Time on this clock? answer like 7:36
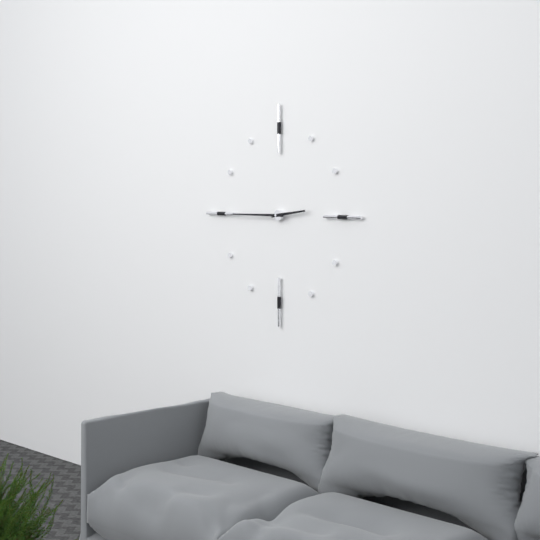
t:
2:45
